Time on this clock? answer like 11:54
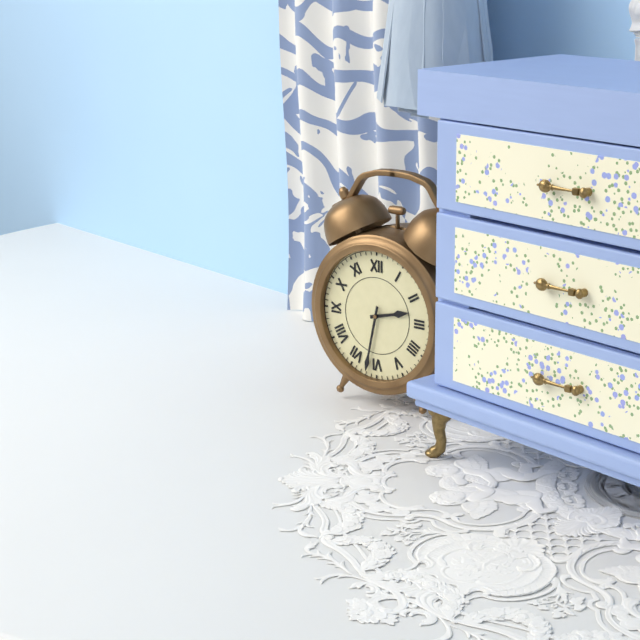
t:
2:32
